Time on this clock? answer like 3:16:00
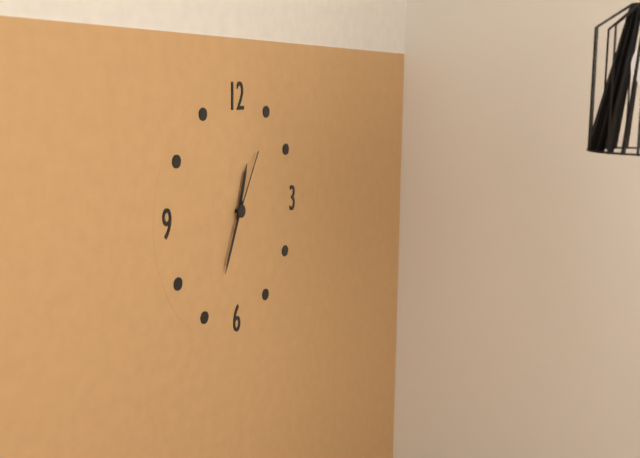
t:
12:34:05
